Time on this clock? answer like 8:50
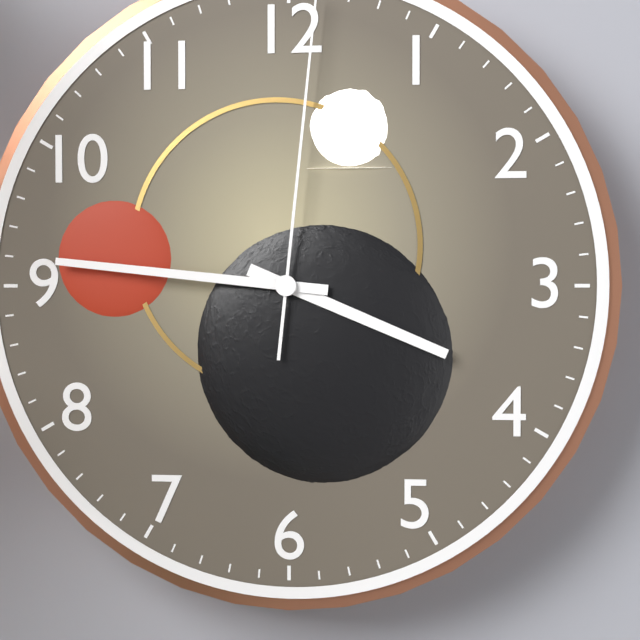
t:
3:46
